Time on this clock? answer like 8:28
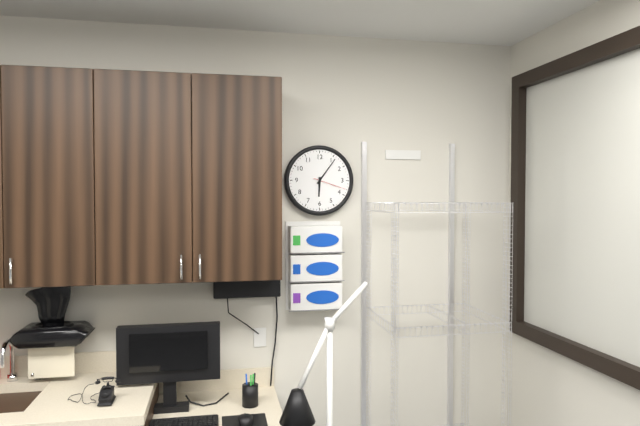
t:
6:06
